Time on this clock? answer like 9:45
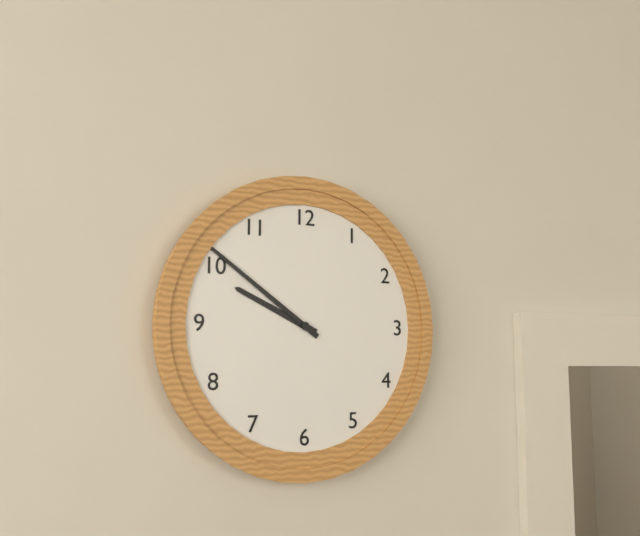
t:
9:51
